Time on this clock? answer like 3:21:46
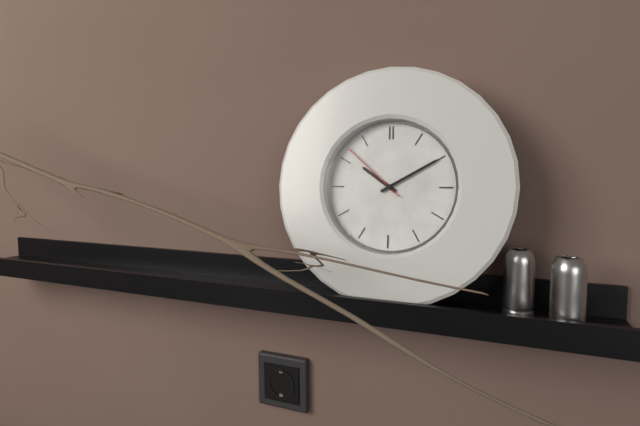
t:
10:10:52
